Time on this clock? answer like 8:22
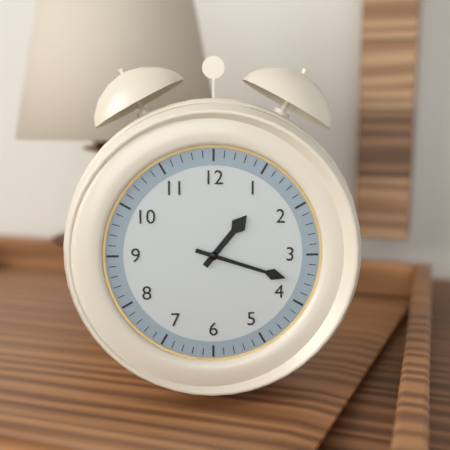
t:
1:18
